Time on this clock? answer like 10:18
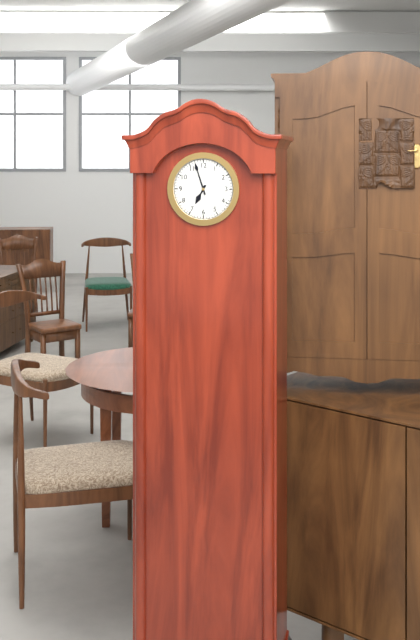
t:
6:57
